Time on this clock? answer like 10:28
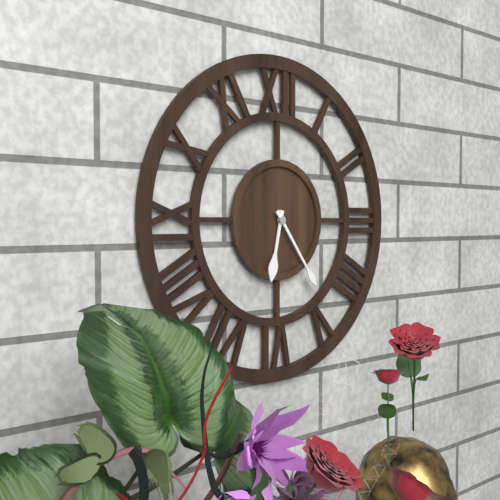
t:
6:24
